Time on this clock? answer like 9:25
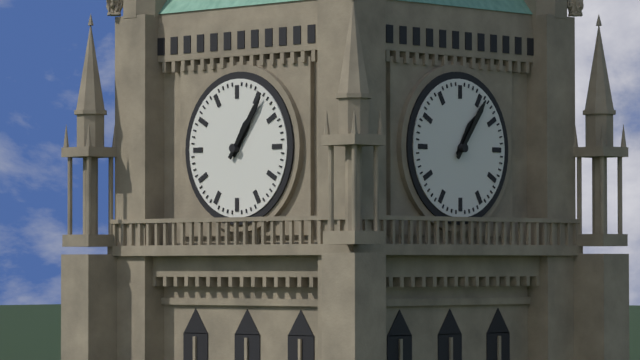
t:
1:06
